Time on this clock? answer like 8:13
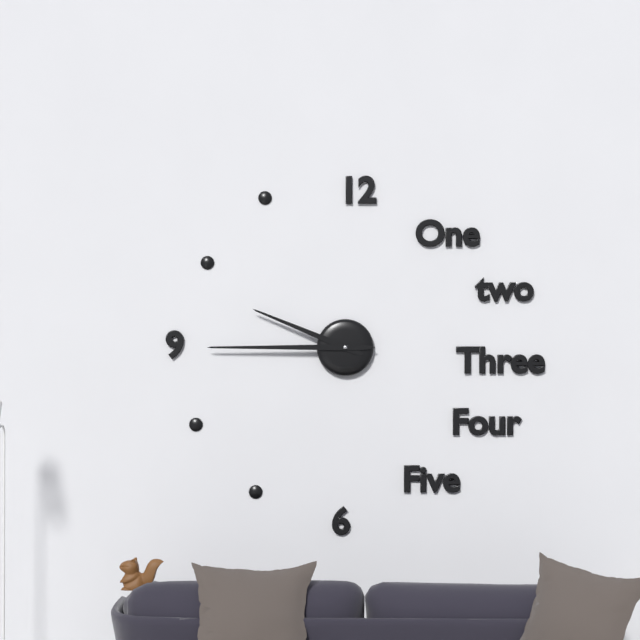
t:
9:45
